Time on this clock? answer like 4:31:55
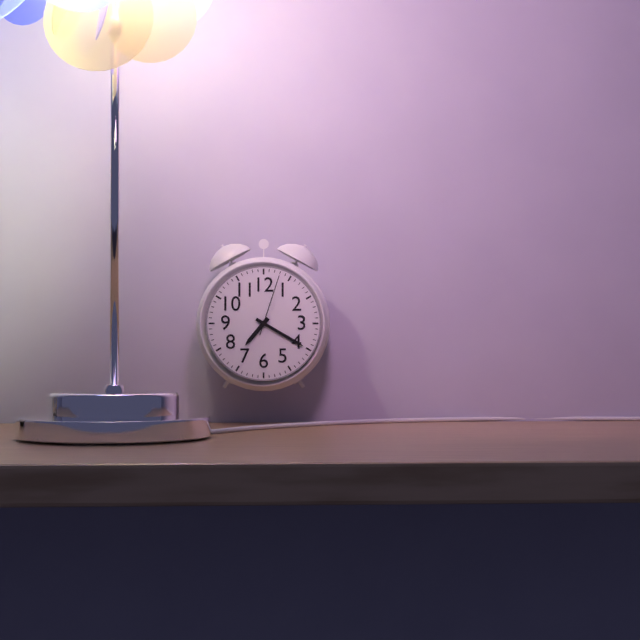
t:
7:20:03
